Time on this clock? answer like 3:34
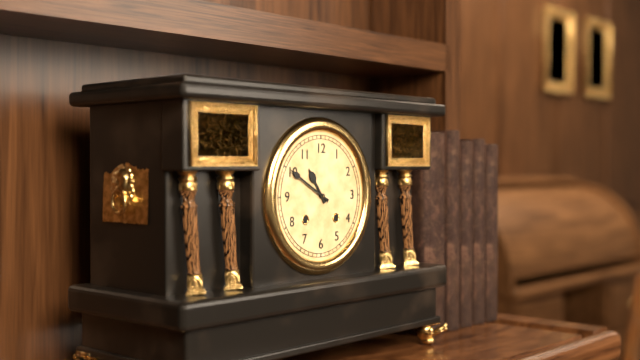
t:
10:50
